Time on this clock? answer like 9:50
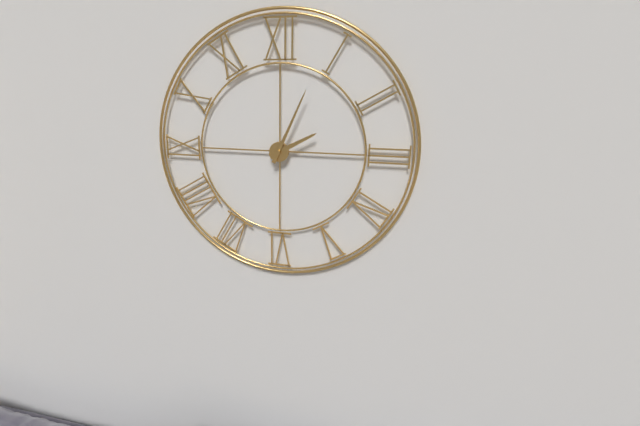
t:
2:04
